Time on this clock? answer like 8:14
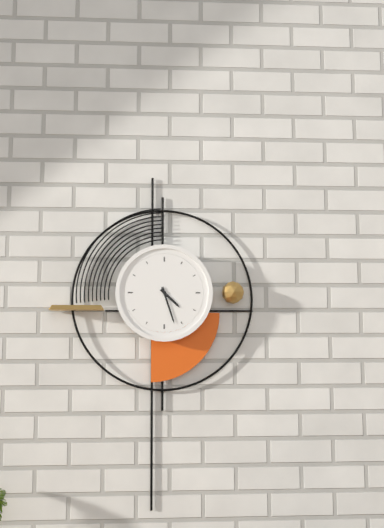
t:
4:27
